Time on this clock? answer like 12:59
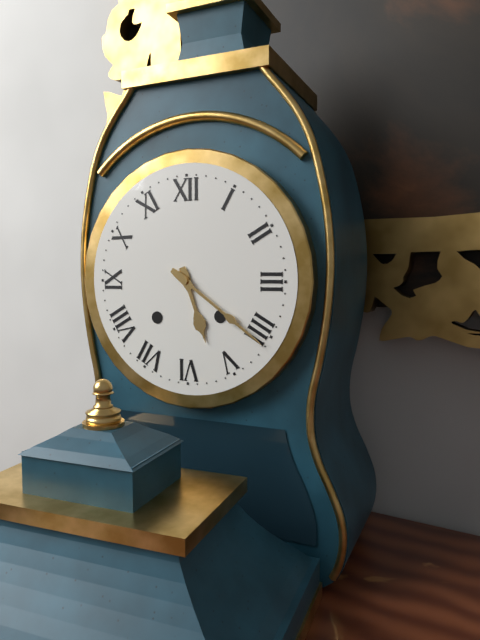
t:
5:21
